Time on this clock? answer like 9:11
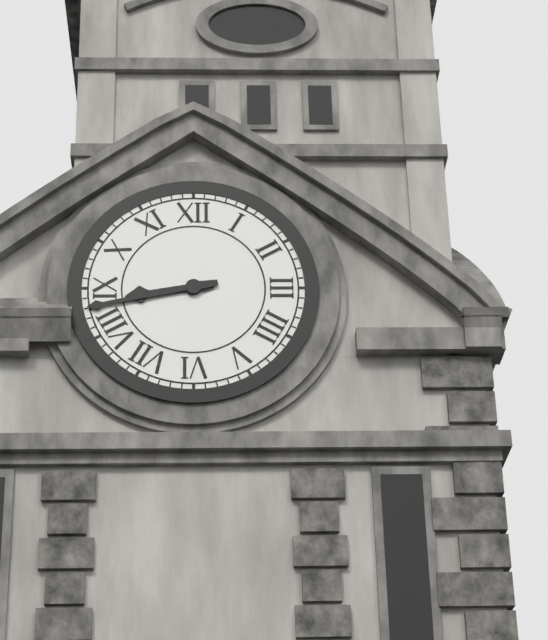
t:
8:43
